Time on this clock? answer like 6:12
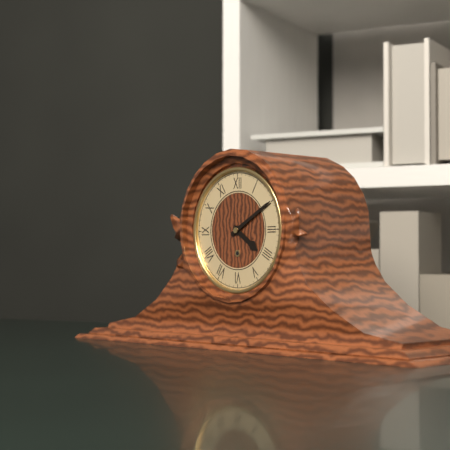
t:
4:10
